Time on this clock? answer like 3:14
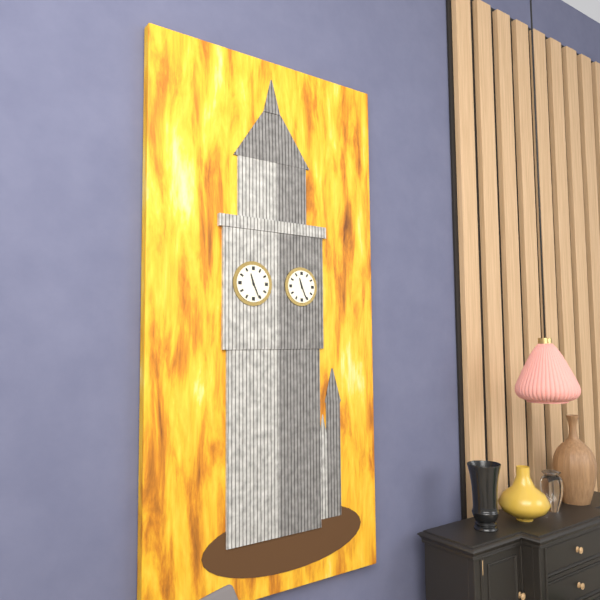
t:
11:26
